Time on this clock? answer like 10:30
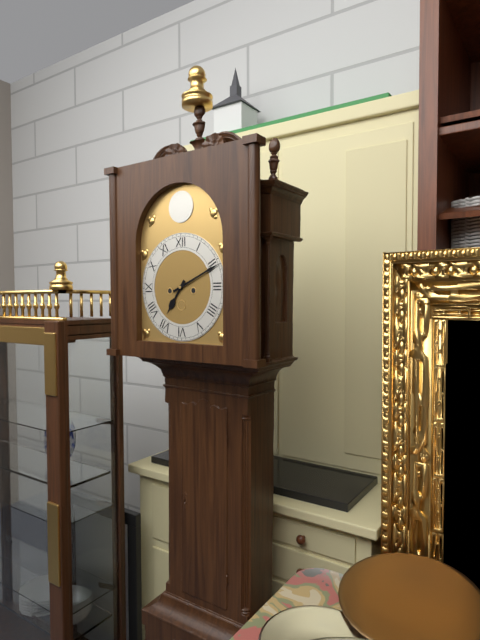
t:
7:11
